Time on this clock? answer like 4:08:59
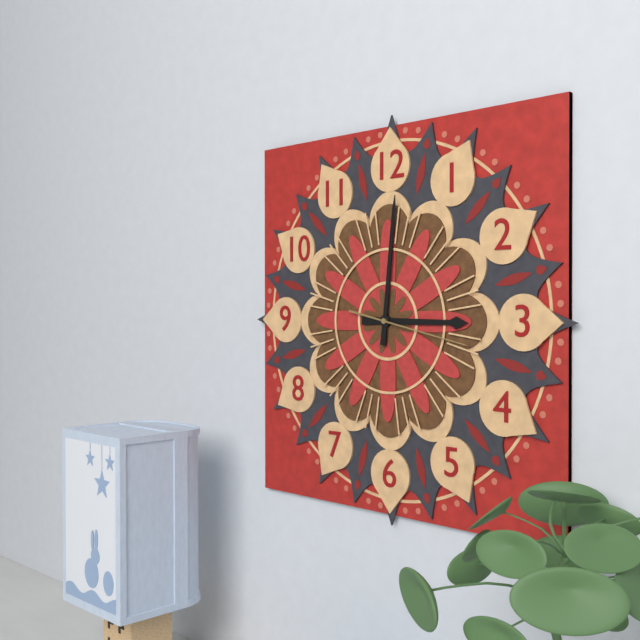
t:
3:01:17
